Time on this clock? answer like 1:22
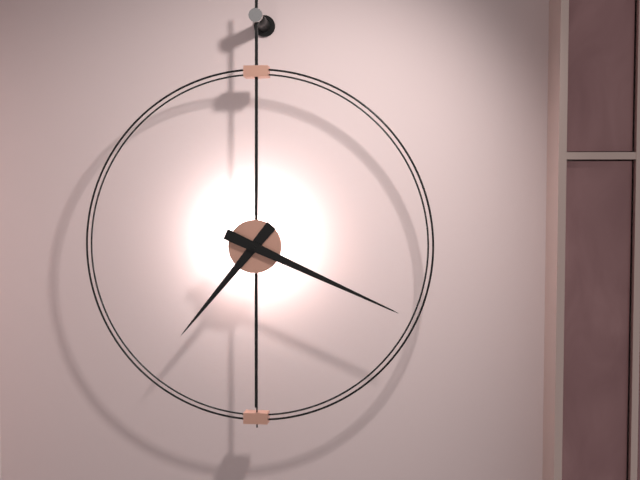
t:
7:19
